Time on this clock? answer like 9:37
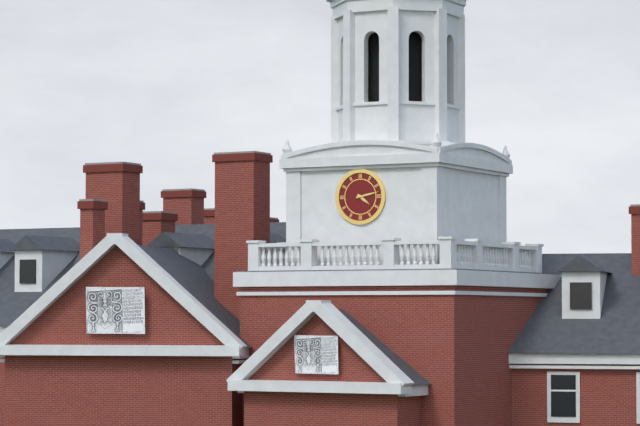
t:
4:13
